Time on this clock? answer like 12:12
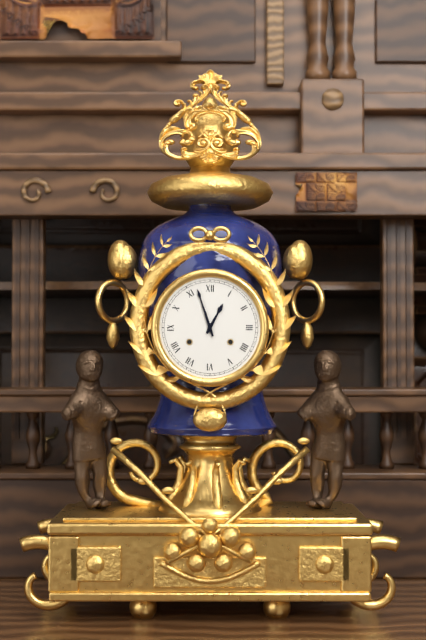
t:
12:57
